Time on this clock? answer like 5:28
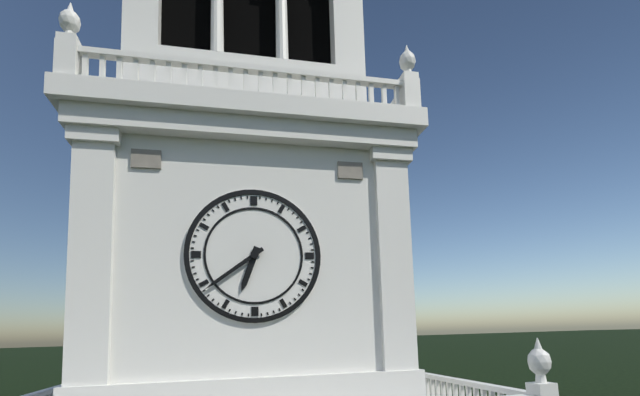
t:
6:39
